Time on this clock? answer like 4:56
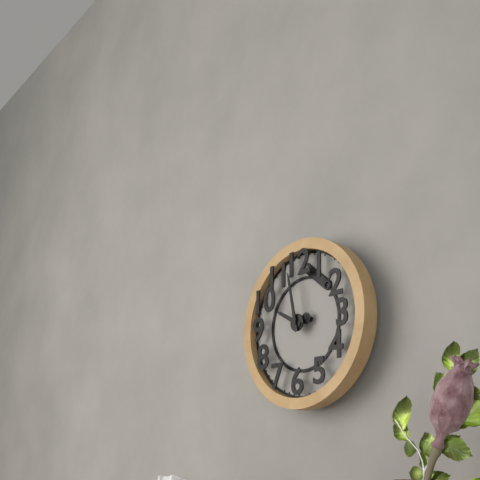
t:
9:58
